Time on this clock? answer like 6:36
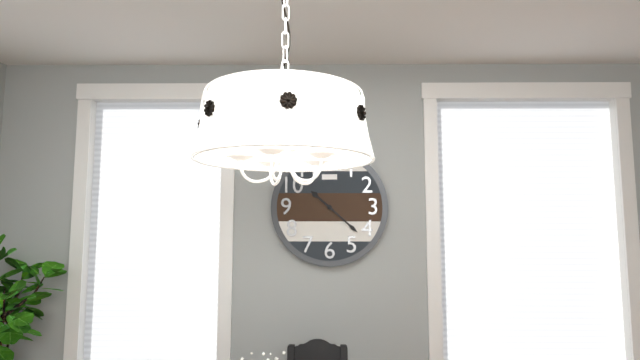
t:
10:22
